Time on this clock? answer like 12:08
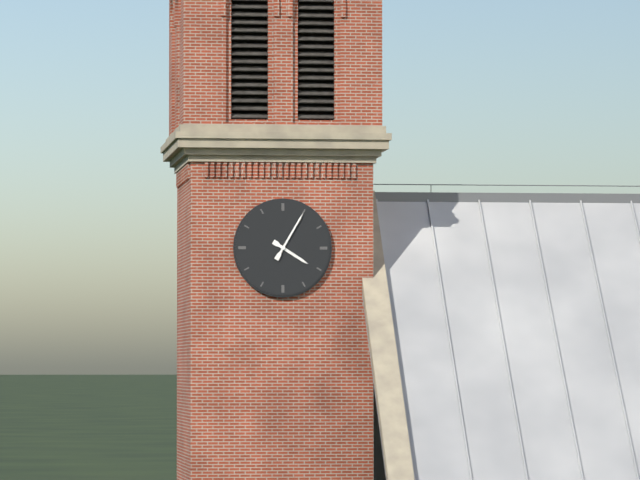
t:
4:05
